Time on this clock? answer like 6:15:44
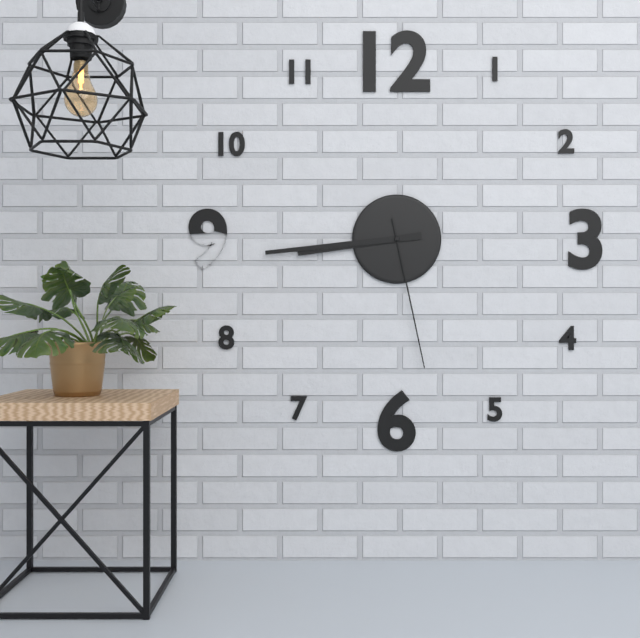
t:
8:44:28
